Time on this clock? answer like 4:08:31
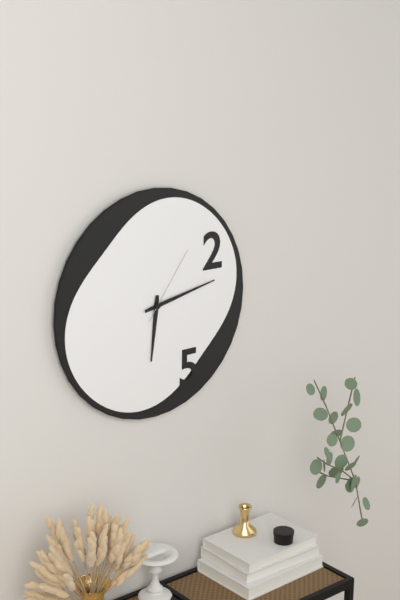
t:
6:13:06
